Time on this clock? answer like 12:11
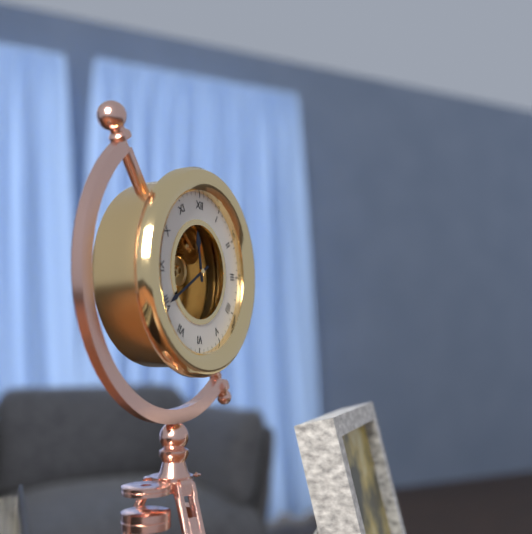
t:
11:40
